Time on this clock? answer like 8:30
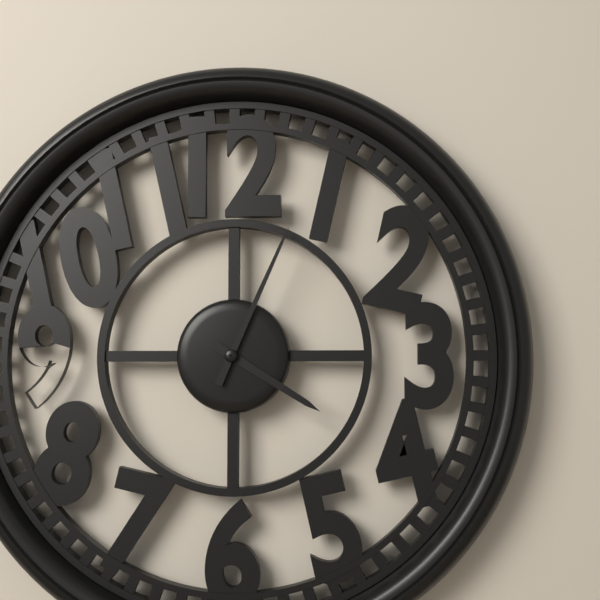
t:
4:04
